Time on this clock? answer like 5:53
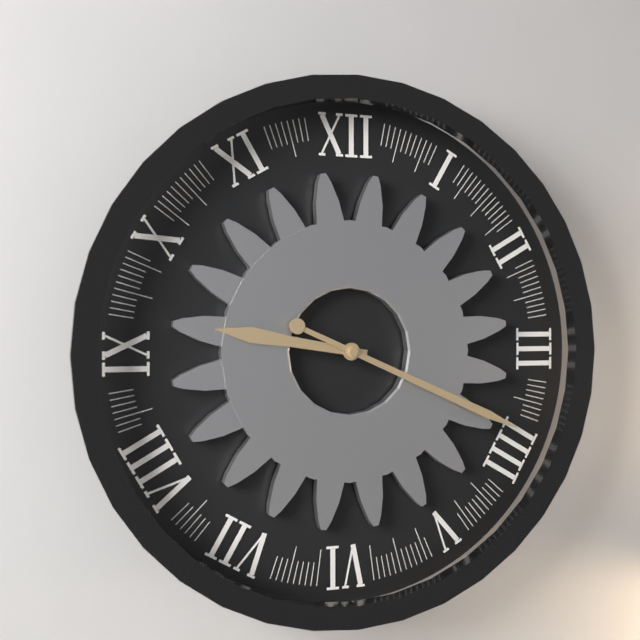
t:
9:19
